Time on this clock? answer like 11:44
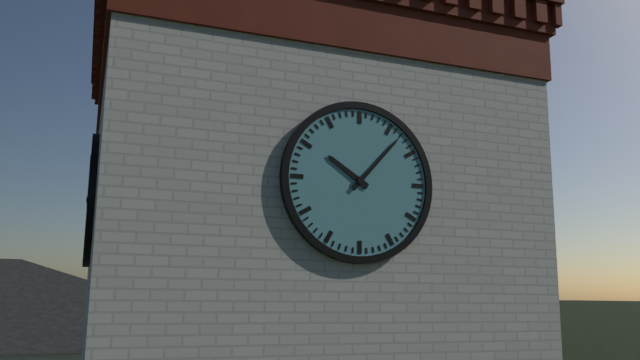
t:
10:07
